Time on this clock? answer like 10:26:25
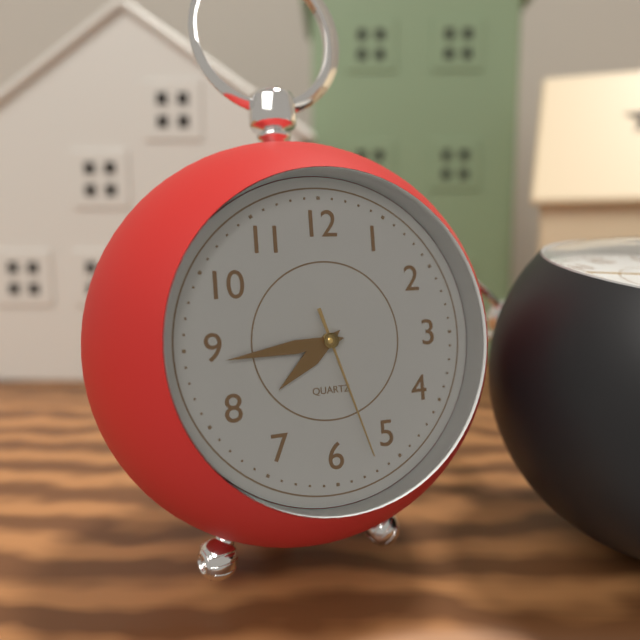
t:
7:44:27
